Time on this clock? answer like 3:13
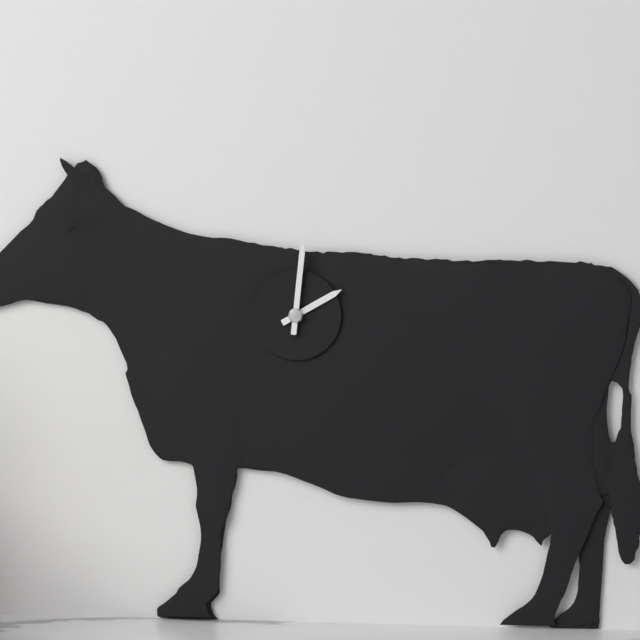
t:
2:01
